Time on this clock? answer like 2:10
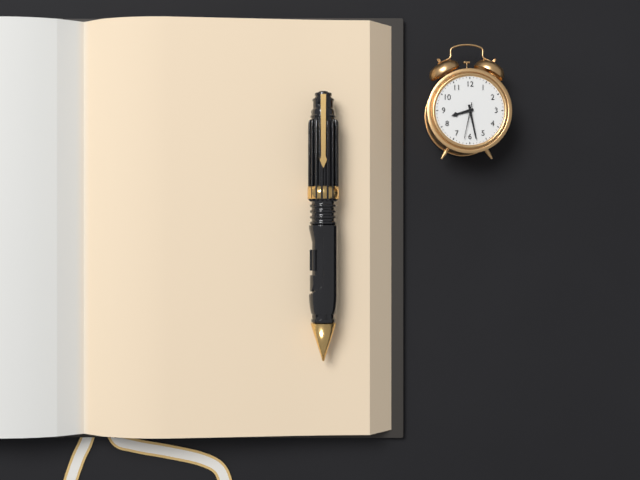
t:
8:28
